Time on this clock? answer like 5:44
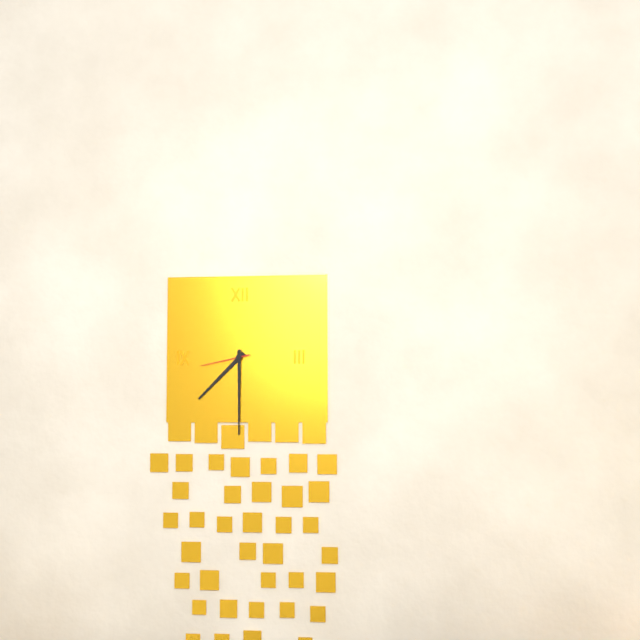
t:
7:30
